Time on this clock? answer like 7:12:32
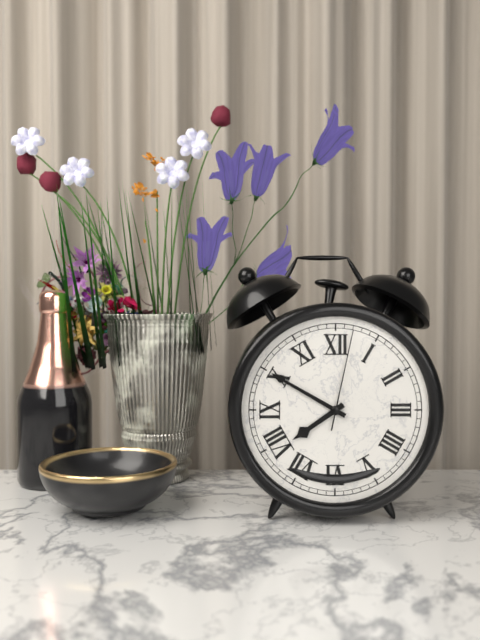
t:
7:50:02
